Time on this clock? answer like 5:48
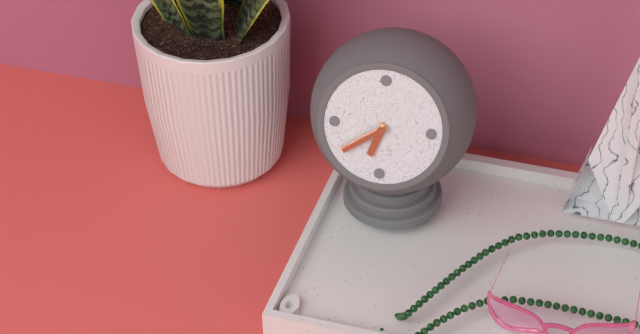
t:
6:39
